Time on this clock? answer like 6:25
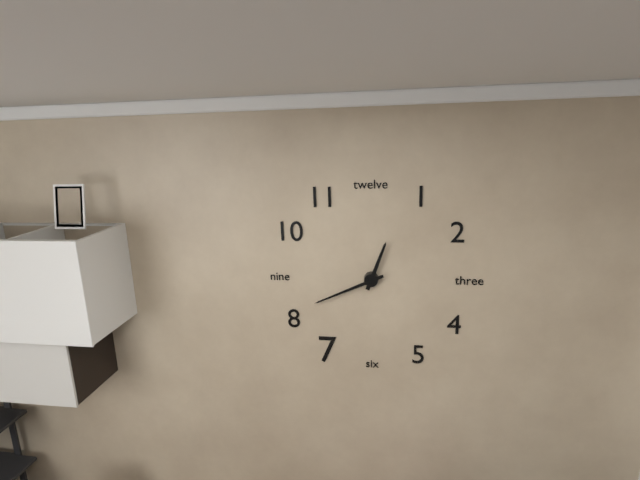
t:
12:41
